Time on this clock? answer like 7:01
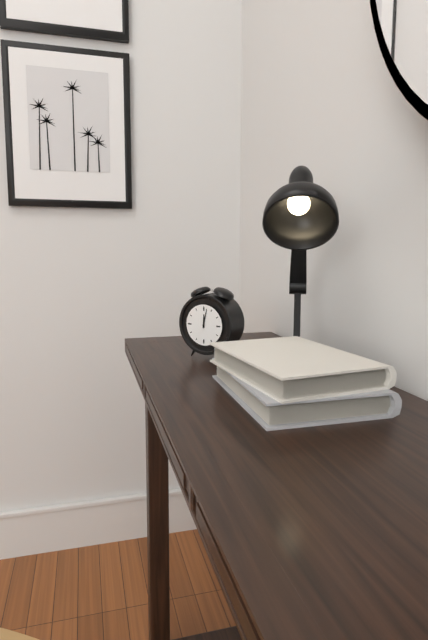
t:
12:02
